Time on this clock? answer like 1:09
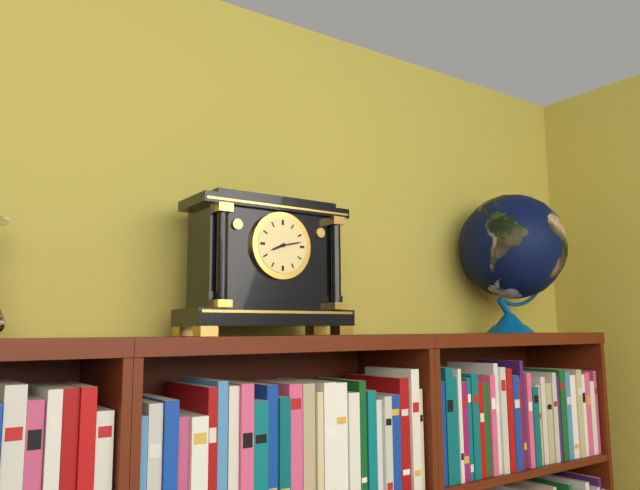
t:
8:13
